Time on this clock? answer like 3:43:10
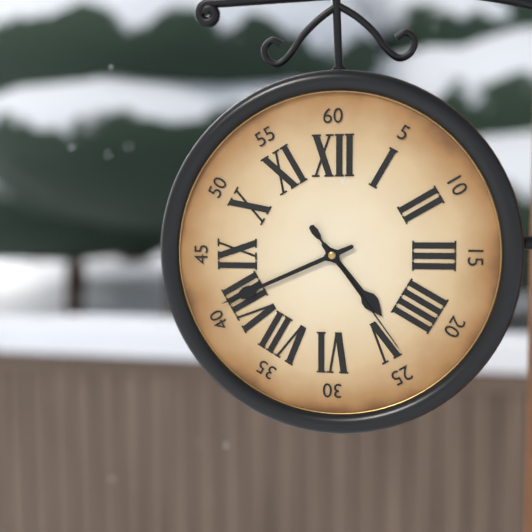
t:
4:41:24
